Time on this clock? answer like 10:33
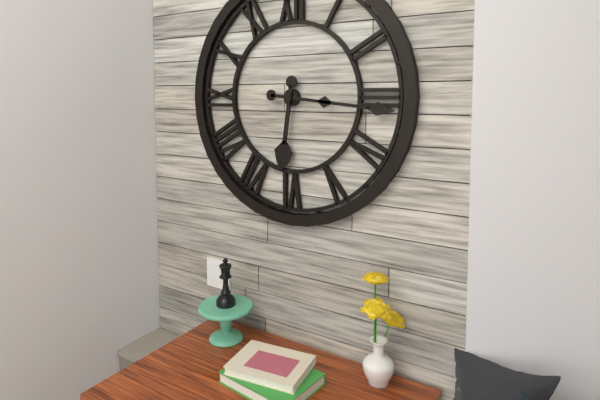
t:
6:16
